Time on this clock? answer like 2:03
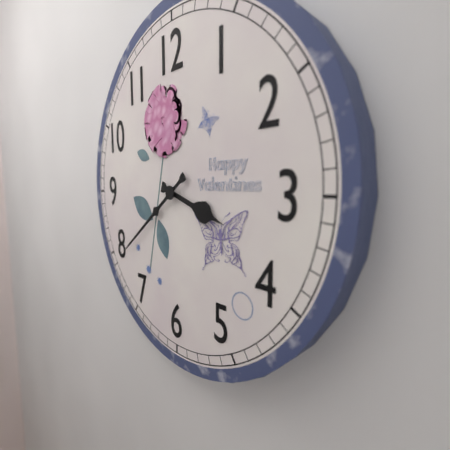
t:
3:39
